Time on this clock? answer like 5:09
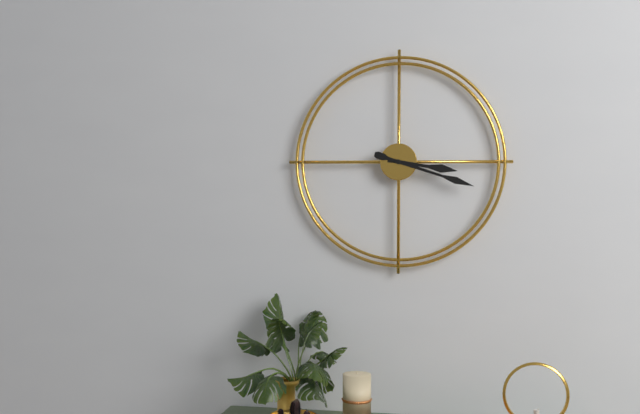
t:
3:18
